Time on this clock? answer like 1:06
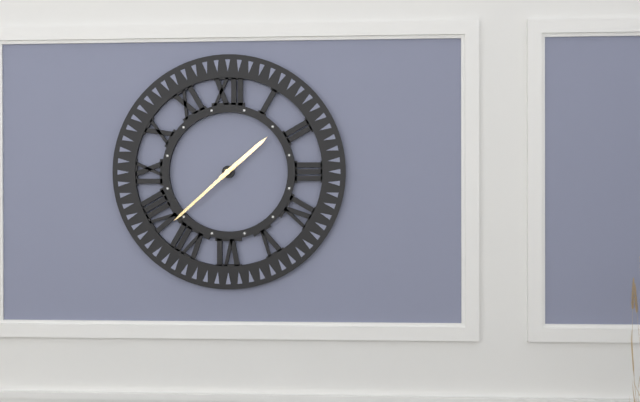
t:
1:38
